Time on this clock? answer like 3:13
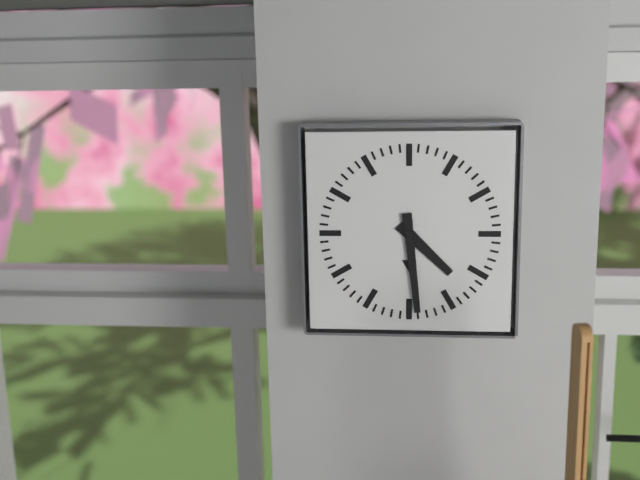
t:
4:29
